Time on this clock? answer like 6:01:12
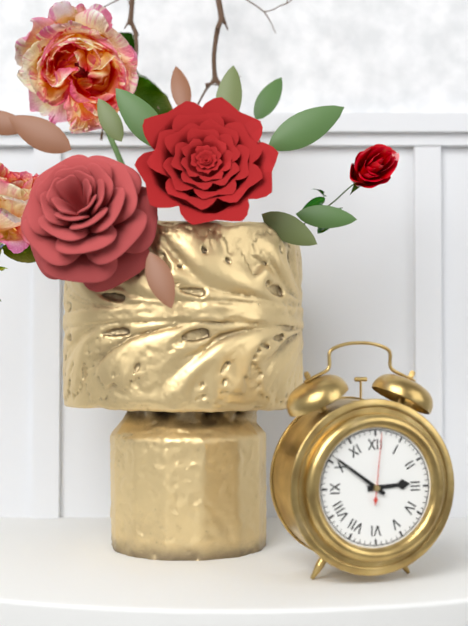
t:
2:51:01
